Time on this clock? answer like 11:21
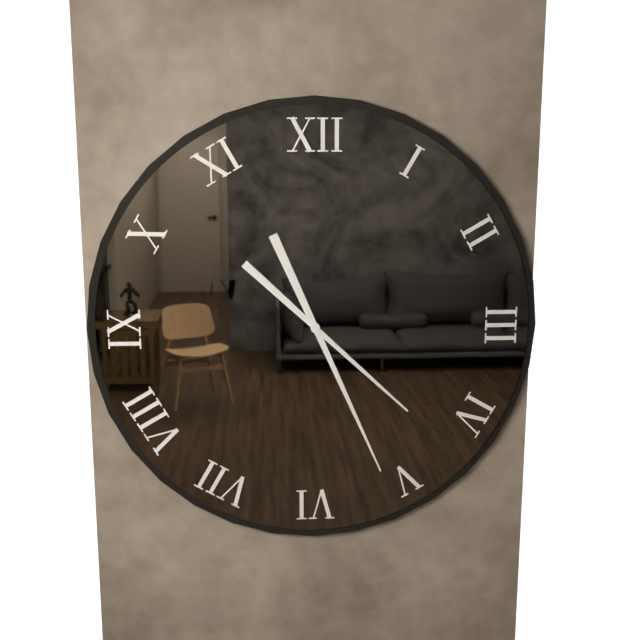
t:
4:26
